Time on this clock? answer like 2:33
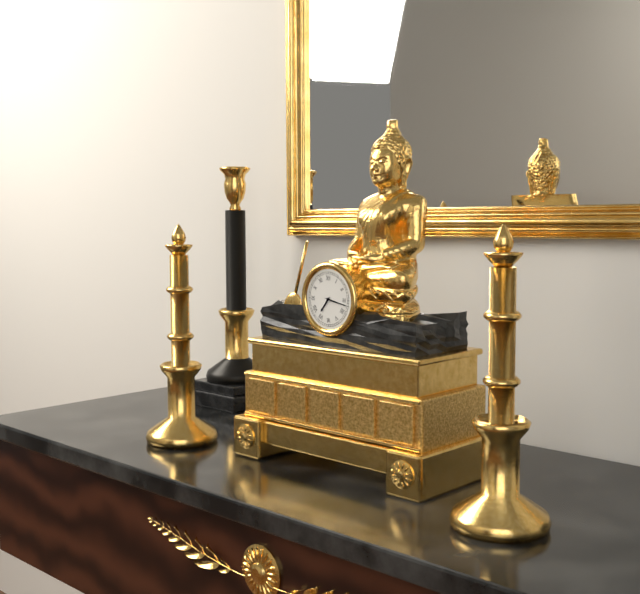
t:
7:17
